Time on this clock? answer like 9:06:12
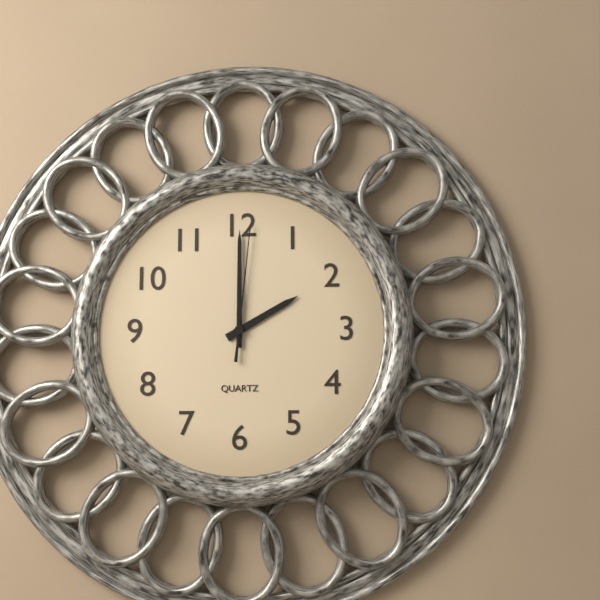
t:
2:00:01
